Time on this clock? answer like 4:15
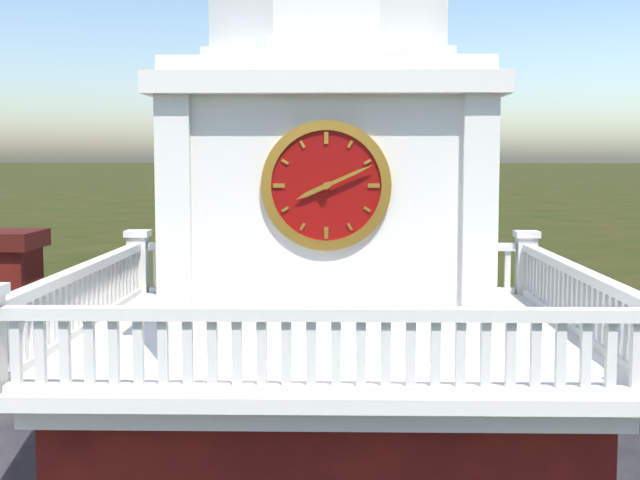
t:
8:11
